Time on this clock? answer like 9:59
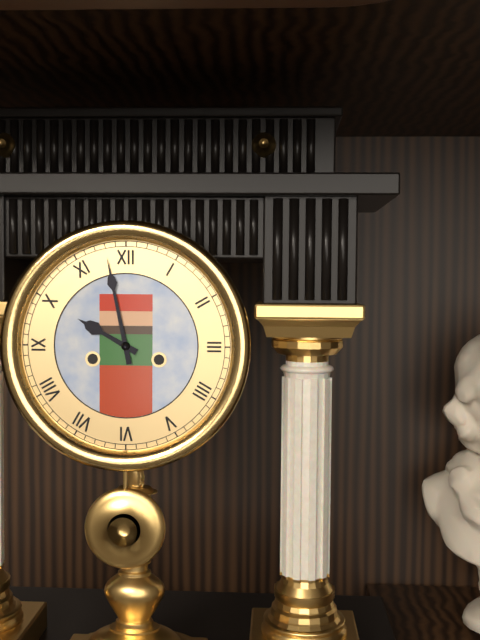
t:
9:58
